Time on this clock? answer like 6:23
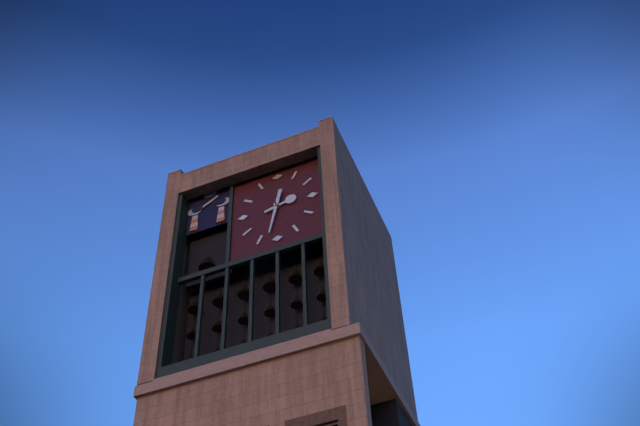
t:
2:32
